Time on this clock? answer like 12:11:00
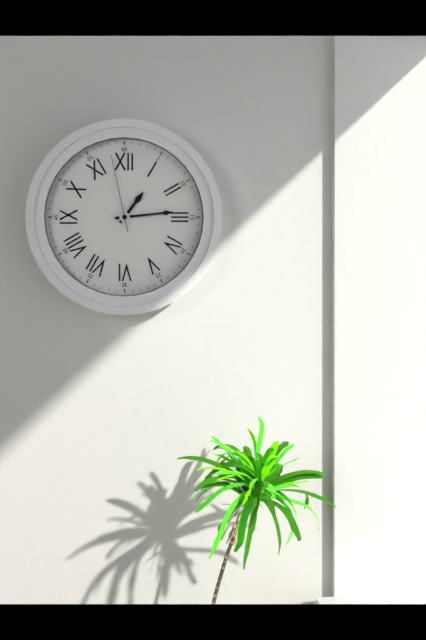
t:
1:14:58
